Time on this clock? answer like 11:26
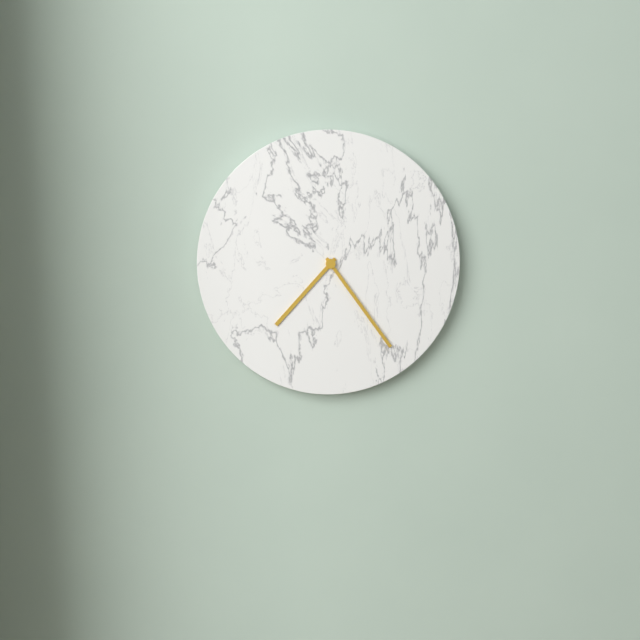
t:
7:24
